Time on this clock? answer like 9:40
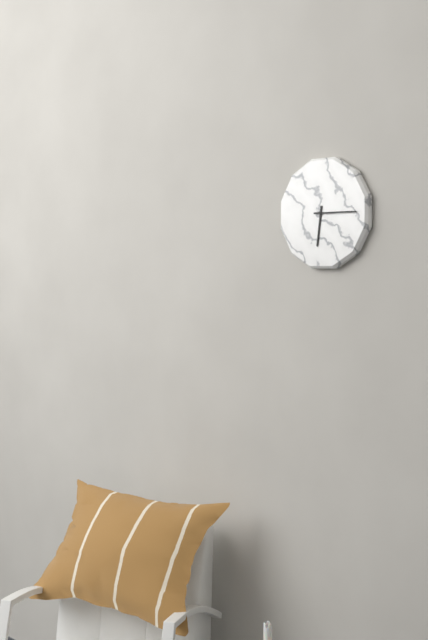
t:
6:15
